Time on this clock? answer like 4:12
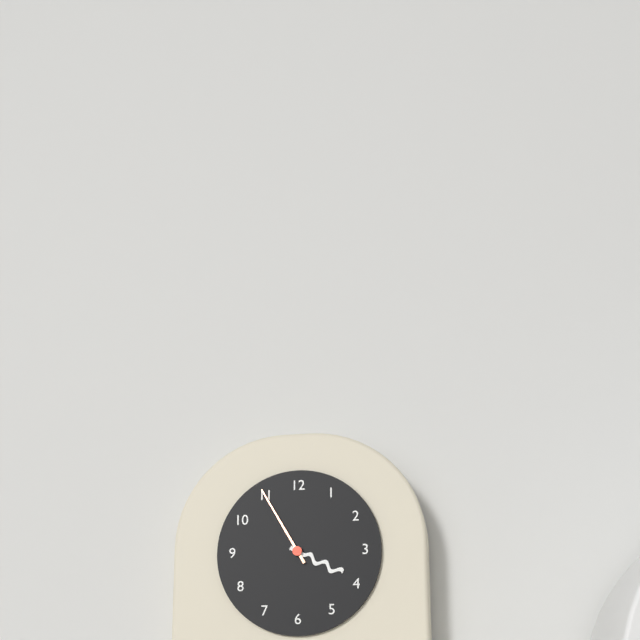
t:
3:55
